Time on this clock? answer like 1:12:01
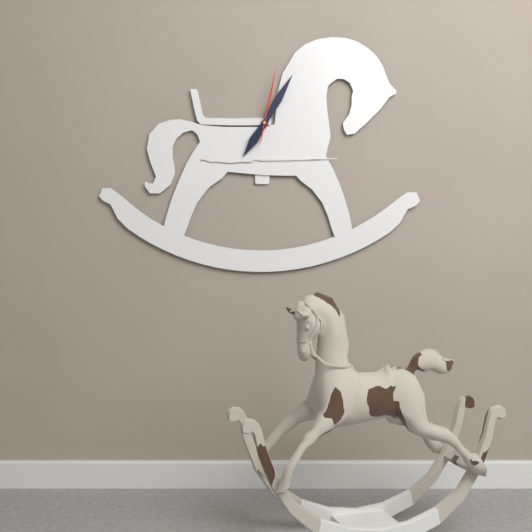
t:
7:05:02
